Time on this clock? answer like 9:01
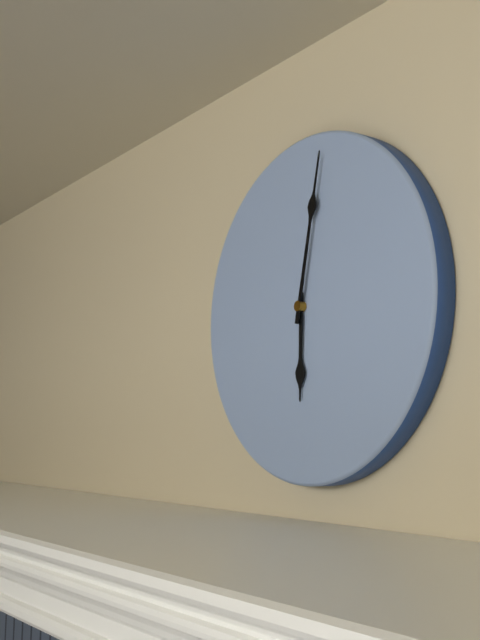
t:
6:02
